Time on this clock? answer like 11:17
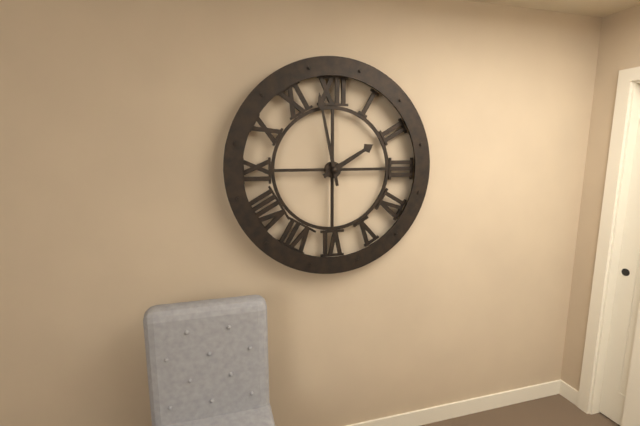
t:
1:58
